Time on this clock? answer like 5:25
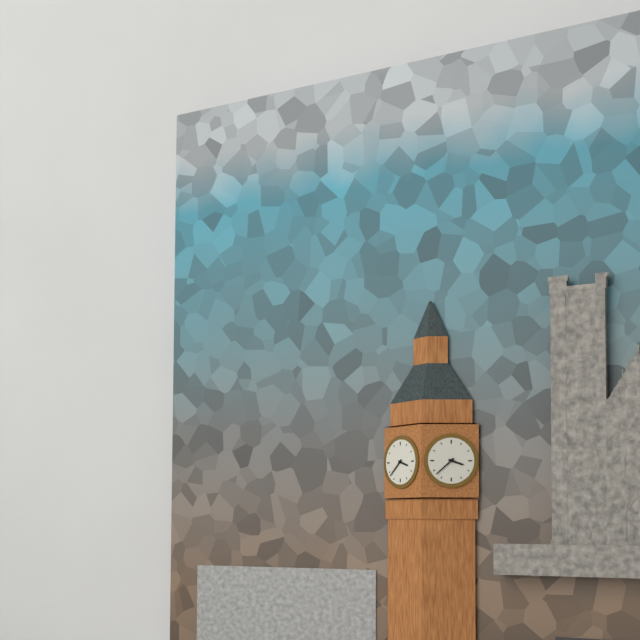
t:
3:38
